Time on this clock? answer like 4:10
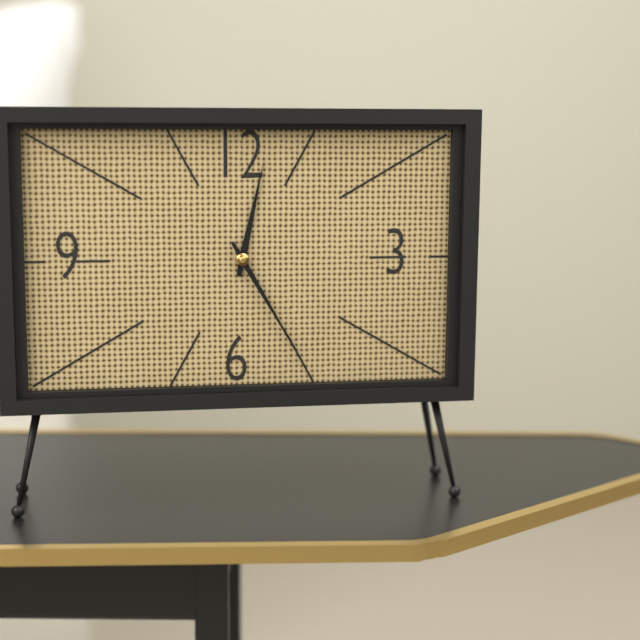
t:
12:25
